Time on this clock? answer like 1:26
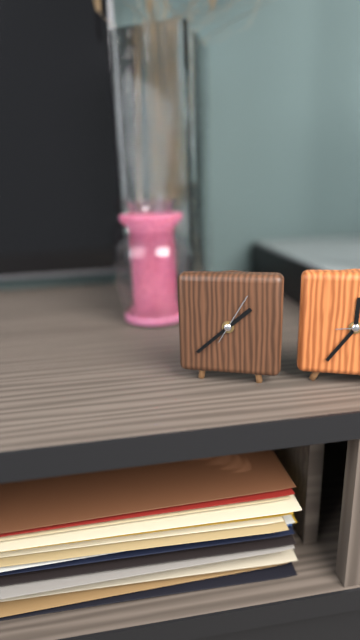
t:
1:38
